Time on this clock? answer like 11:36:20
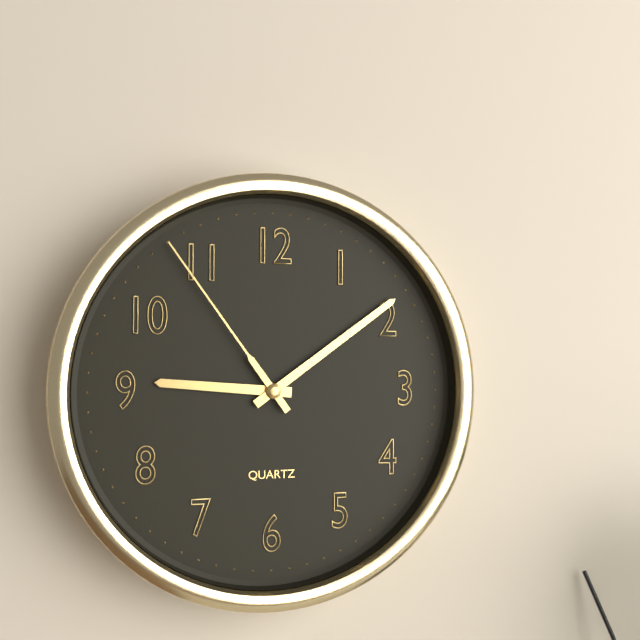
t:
9:09:54
